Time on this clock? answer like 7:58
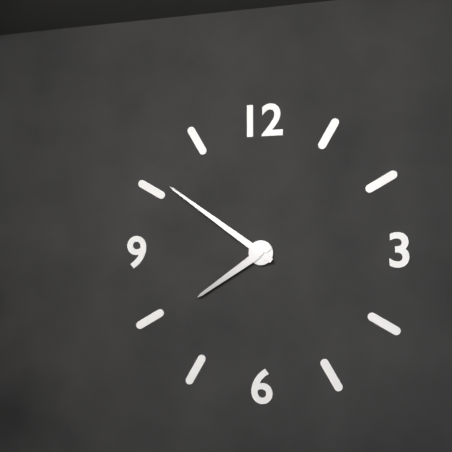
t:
7:51
